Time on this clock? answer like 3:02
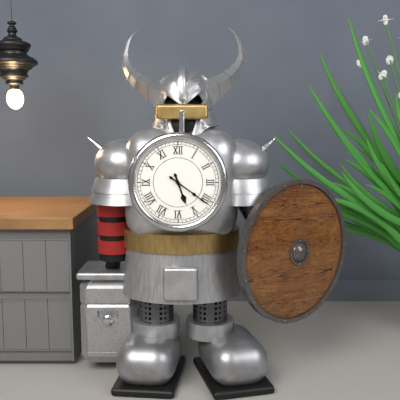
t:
5:21
